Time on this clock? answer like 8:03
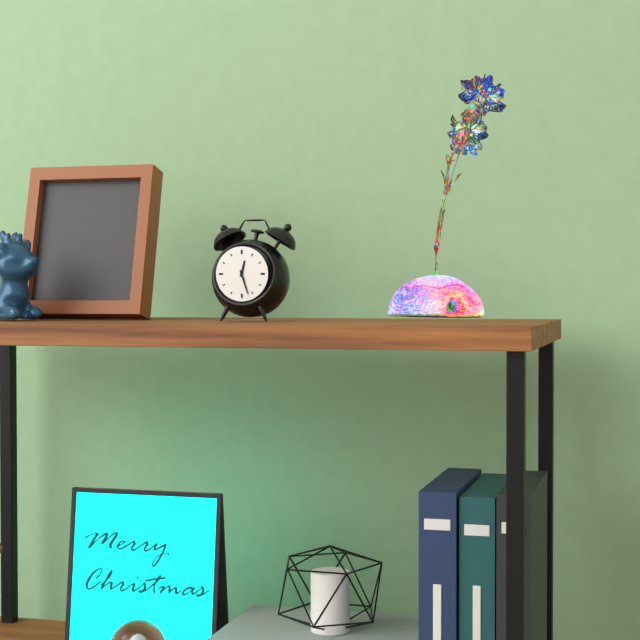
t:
12:27
